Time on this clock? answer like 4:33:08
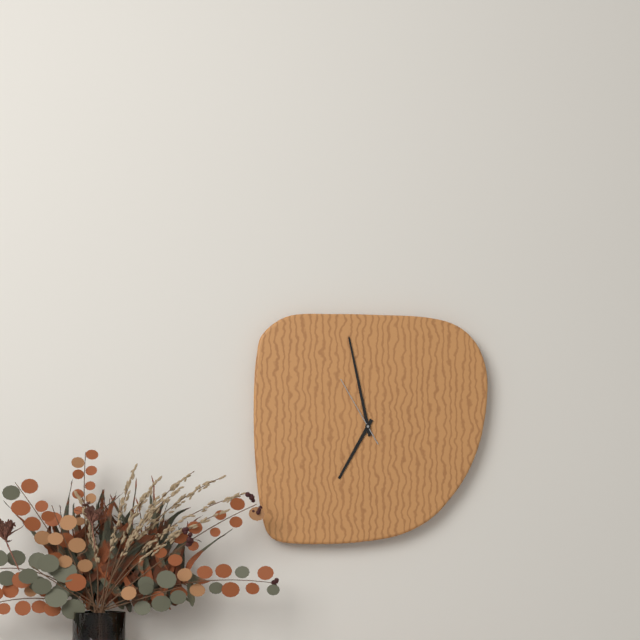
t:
6:58:55
